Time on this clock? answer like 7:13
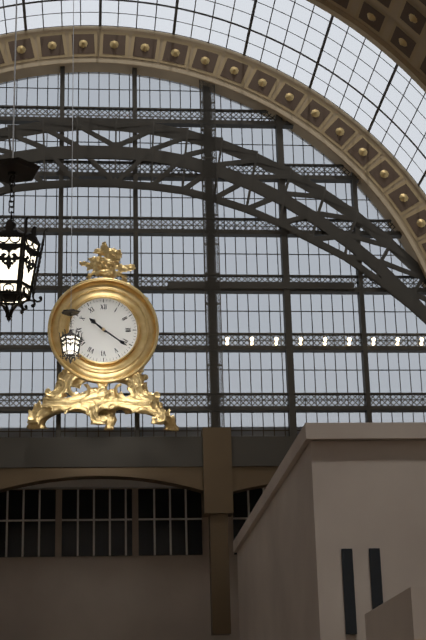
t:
10:21
